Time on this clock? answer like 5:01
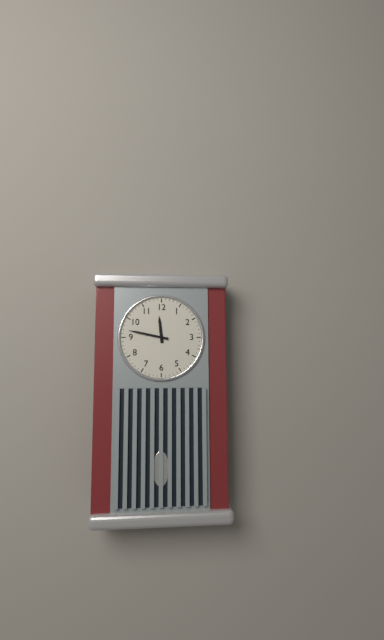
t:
11:47
